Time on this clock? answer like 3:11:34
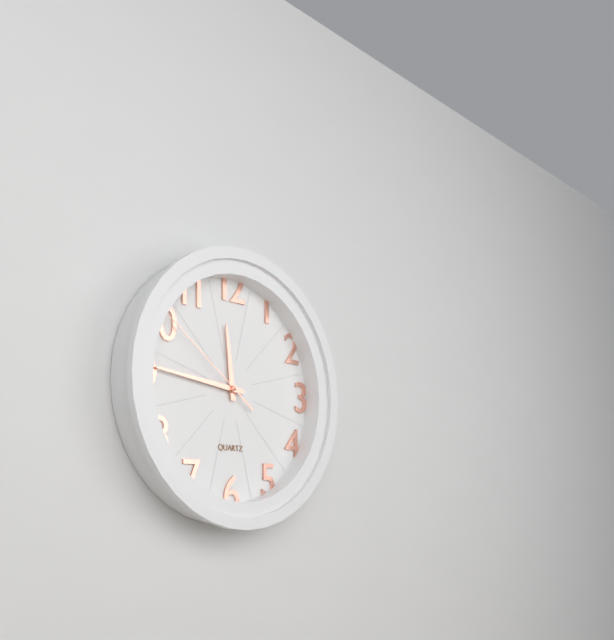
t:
11:46:51
